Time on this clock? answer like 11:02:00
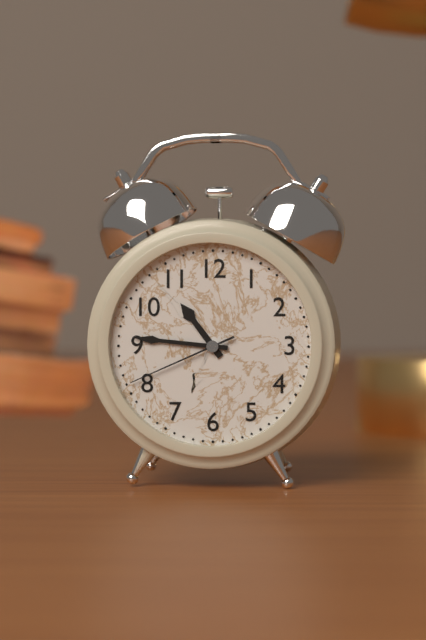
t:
10:46:41
